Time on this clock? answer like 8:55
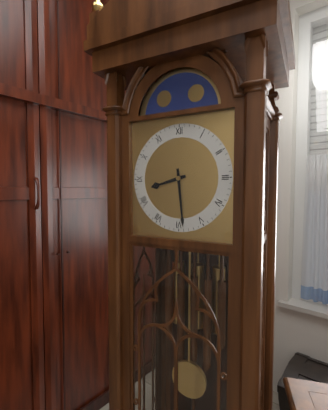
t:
8:29
